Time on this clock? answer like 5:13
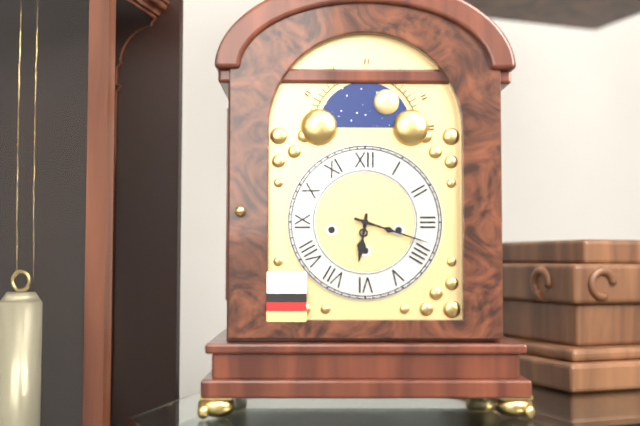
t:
6:18
